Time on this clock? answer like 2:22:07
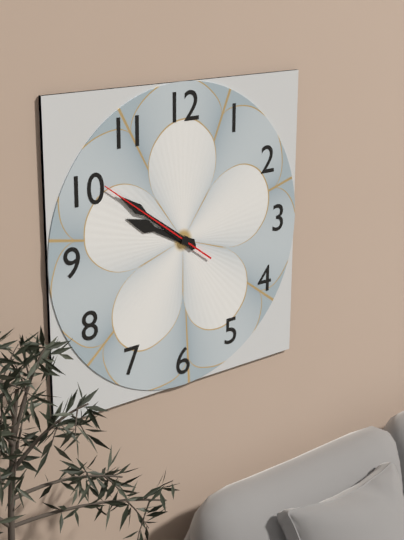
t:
9:51:51
